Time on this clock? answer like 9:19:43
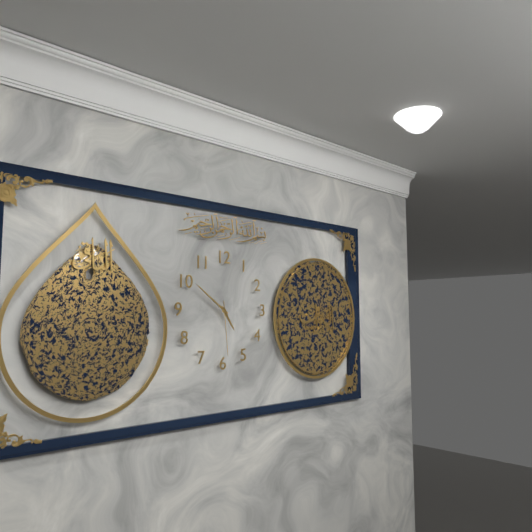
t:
4:51:29
